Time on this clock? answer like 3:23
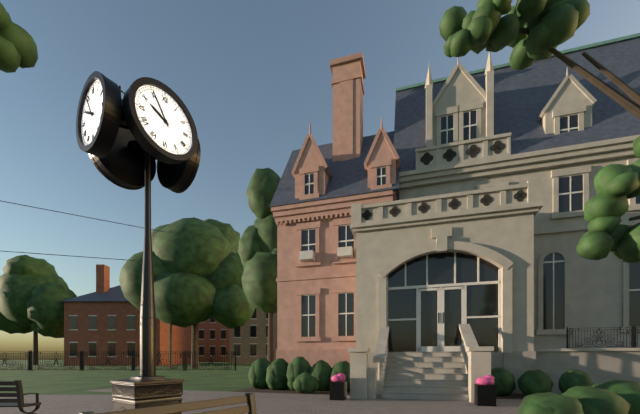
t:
9:55
